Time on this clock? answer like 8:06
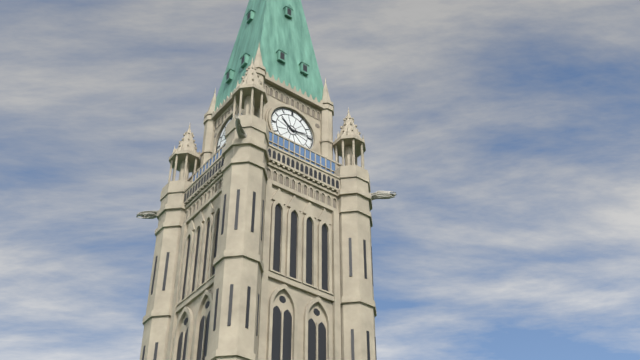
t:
10:14
